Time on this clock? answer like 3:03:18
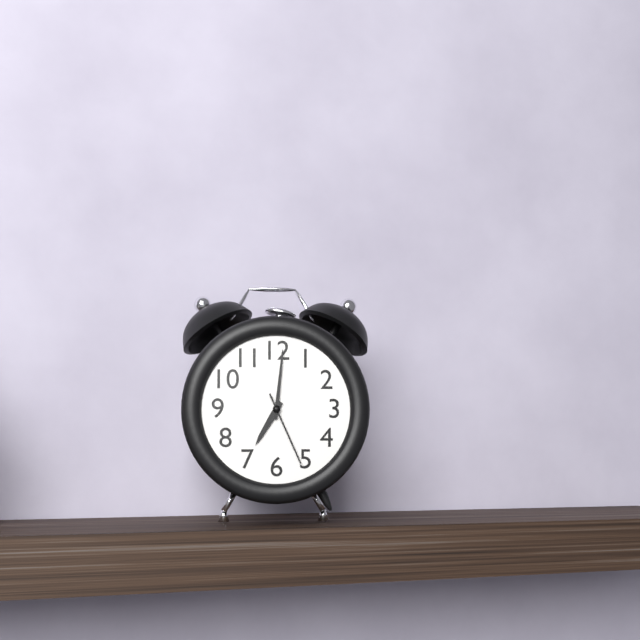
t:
7:01:26
